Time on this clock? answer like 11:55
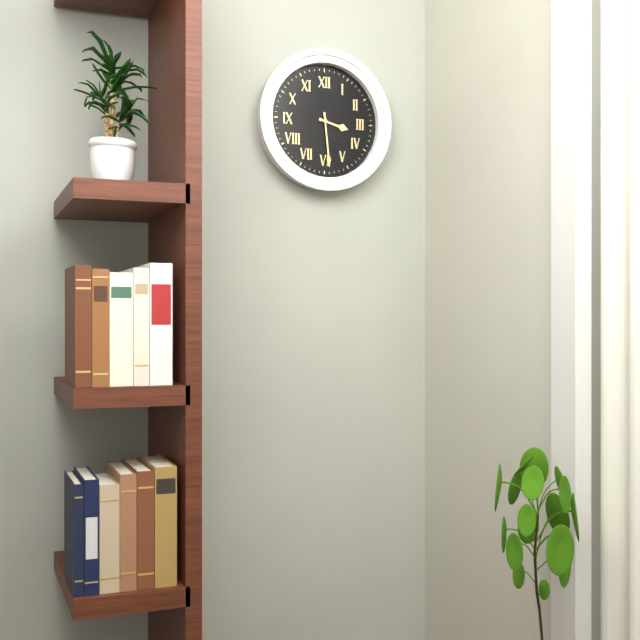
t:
3:29
